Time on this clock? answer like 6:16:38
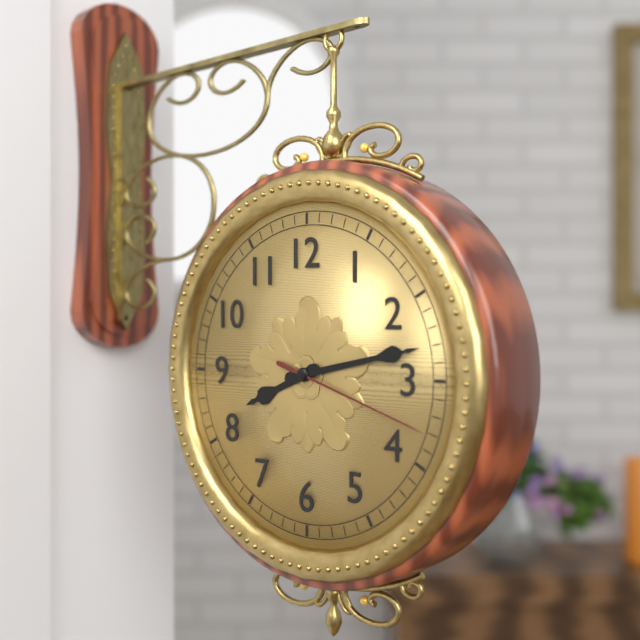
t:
8:13:18
